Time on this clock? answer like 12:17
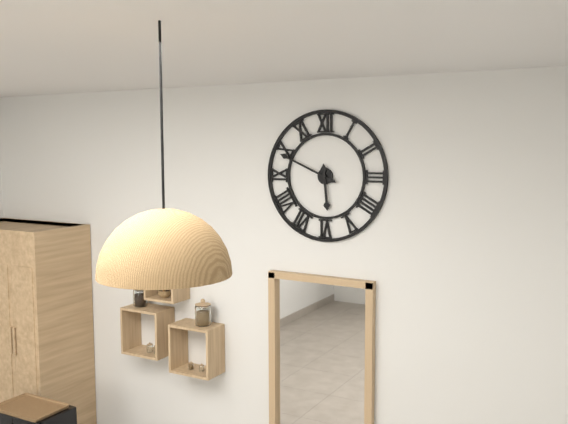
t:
5:49
